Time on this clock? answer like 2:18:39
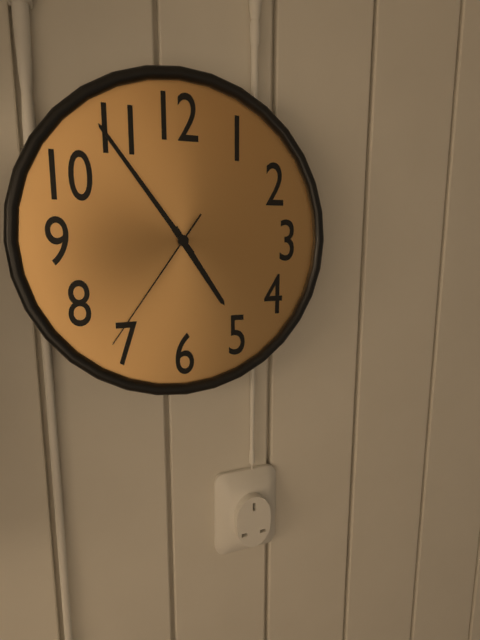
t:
4:54:36
